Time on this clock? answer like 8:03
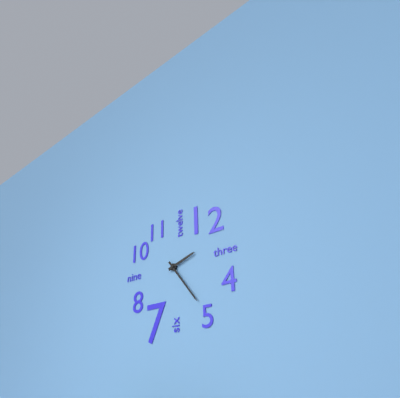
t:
2:24
